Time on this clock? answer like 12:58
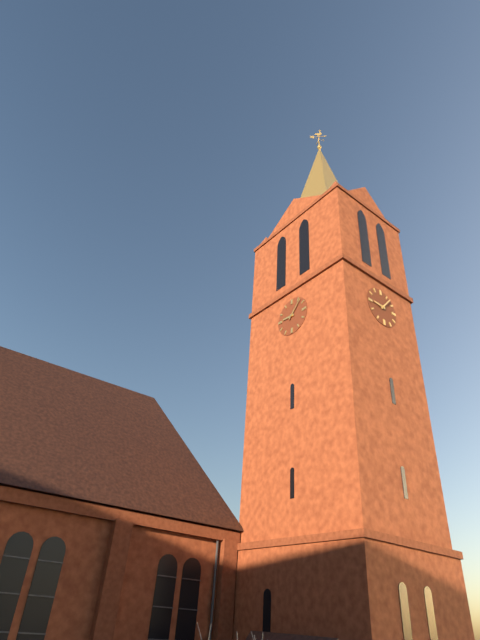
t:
9:07
